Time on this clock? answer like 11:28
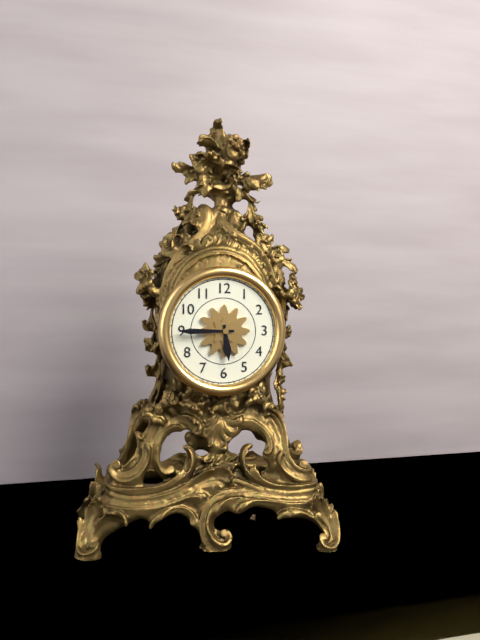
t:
5:45
